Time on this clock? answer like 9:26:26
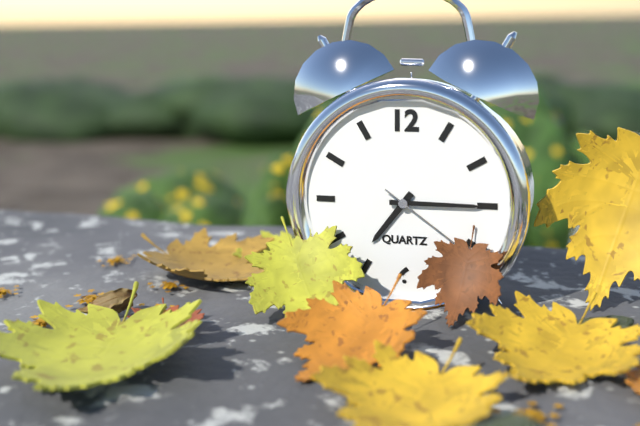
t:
7:15:21
